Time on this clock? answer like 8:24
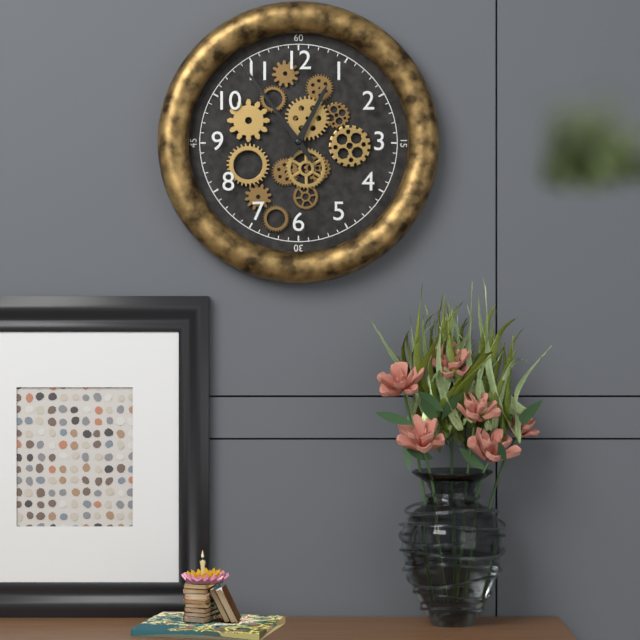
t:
12:54
